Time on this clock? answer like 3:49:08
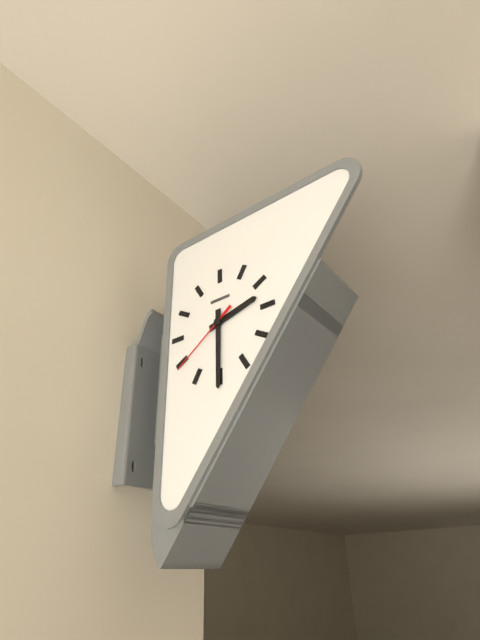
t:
2:30:39
